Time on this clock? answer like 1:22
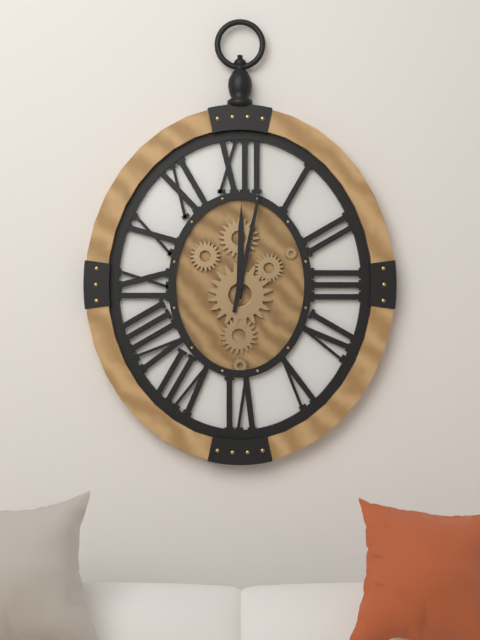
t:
12:02
